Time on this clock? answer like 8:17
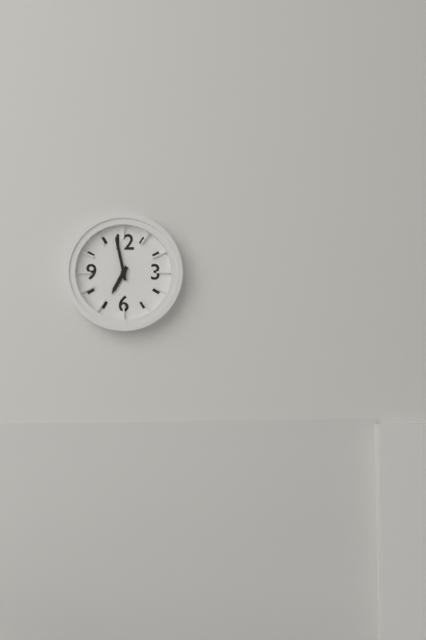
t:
6:58
